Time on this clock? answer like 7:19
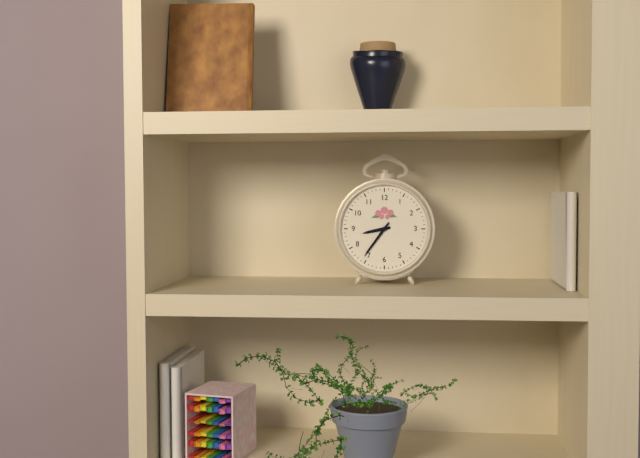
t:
8:36
